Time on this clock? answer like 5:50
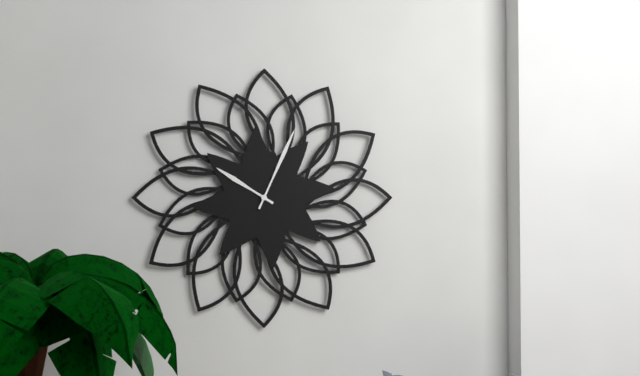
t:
10:04
